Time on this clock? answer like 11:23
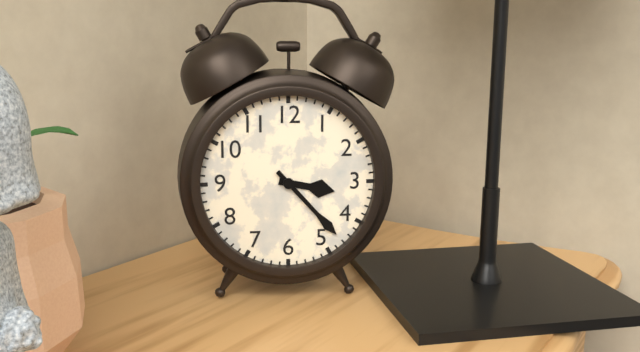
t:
3:23
